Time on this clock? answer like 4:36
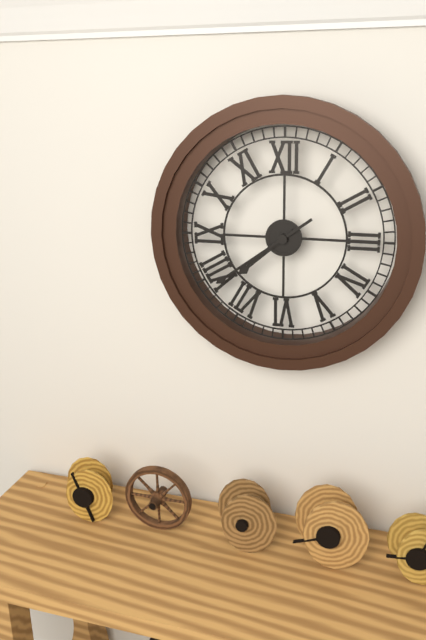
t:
7:39
